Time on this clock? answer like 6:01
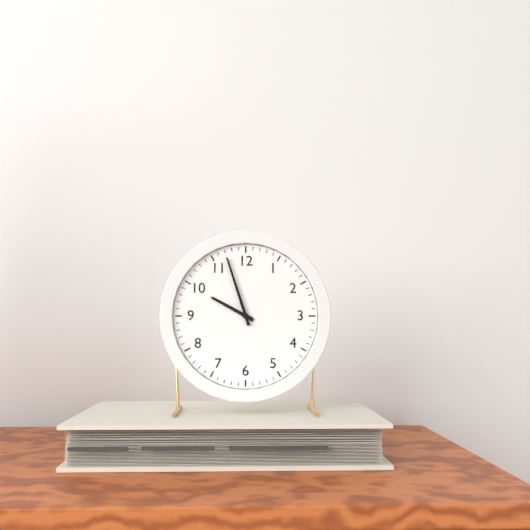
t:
9:57
